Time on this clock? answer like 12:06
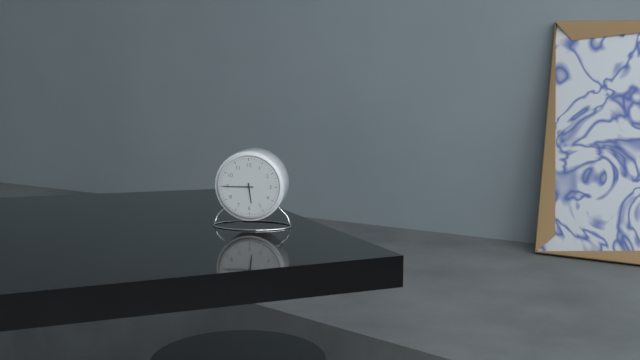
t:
5:45
